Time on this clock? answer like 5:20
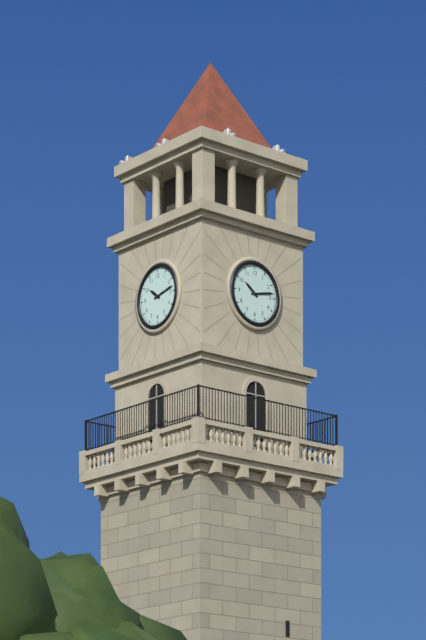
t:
10:13
